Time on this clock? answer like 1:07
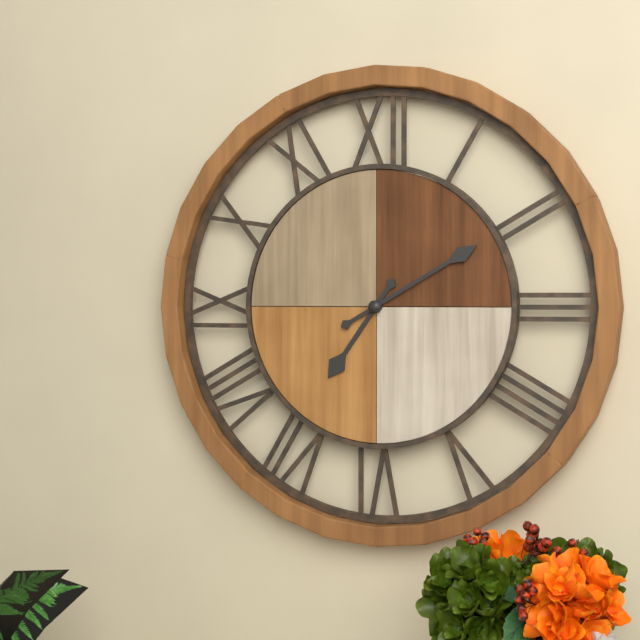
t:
7:10
